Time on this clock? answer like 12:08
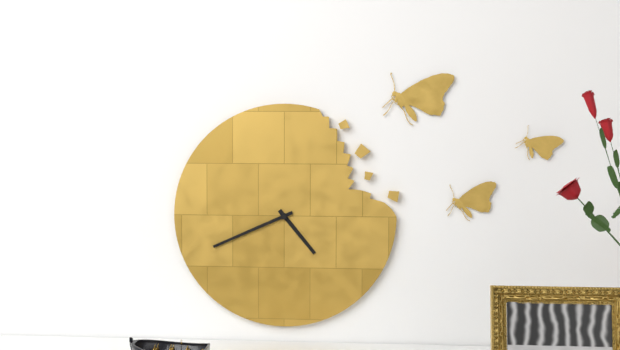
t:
4:41
